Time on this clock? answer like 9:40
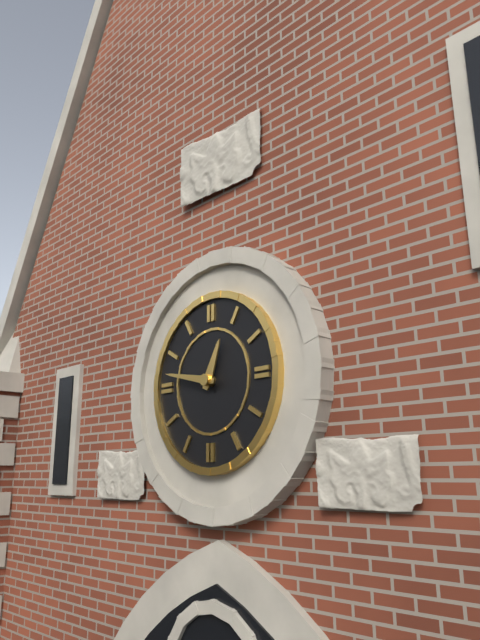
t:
12:47
